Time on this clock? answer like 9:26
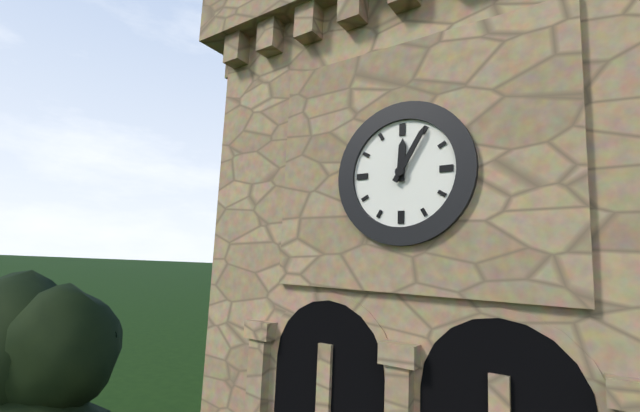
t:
12:05
